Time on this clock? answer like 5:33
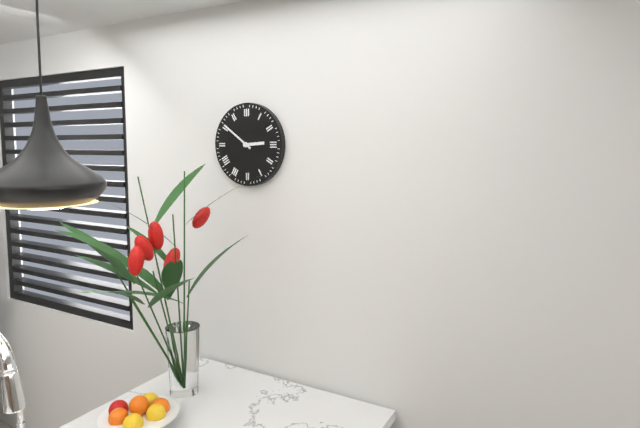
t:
2:51
